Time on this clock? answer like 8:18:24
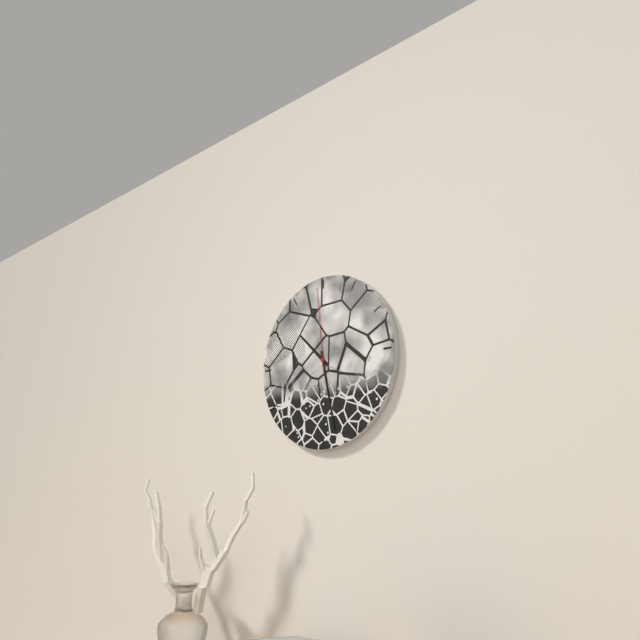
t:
10:28:59
